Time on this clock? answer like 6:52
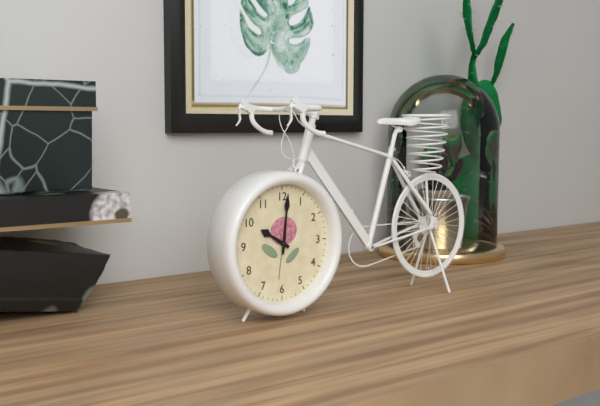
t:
10:01
